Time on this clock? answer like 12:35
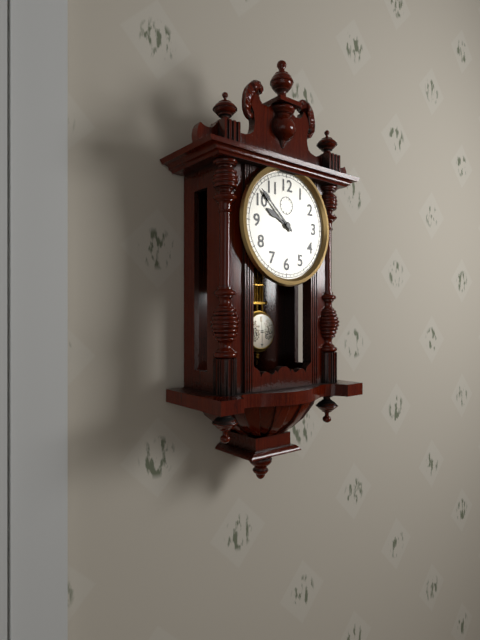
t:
9:52
